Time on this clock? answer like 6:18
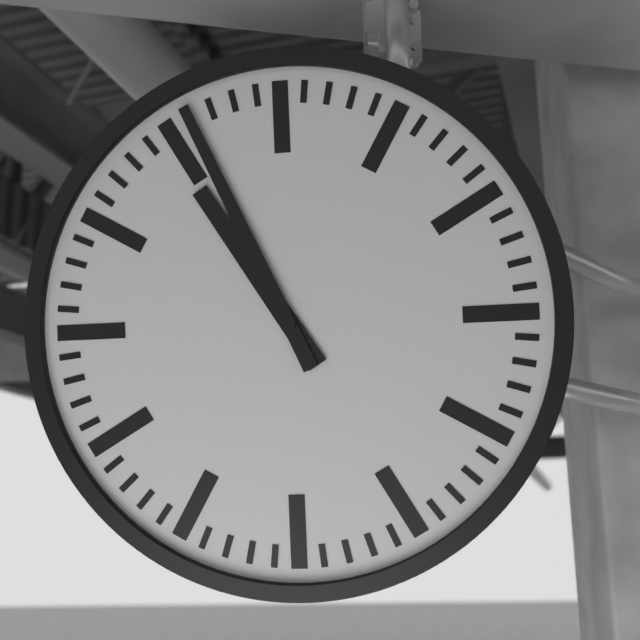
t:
10:56
